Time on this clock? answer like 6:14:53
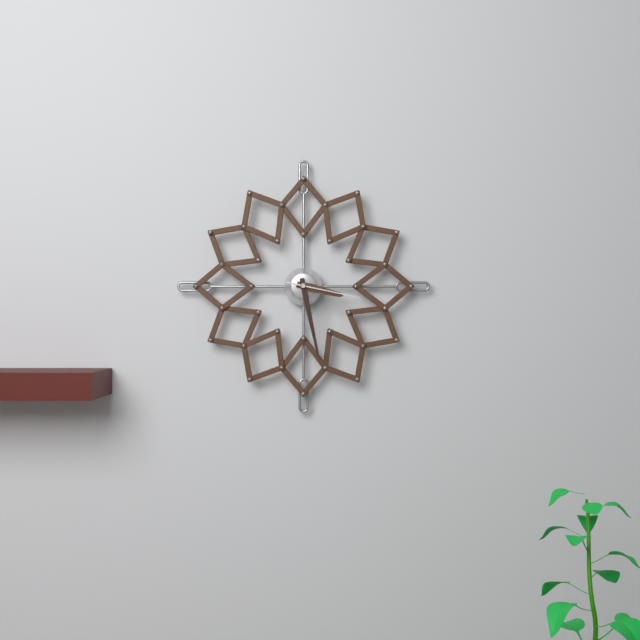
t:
3:28:17
